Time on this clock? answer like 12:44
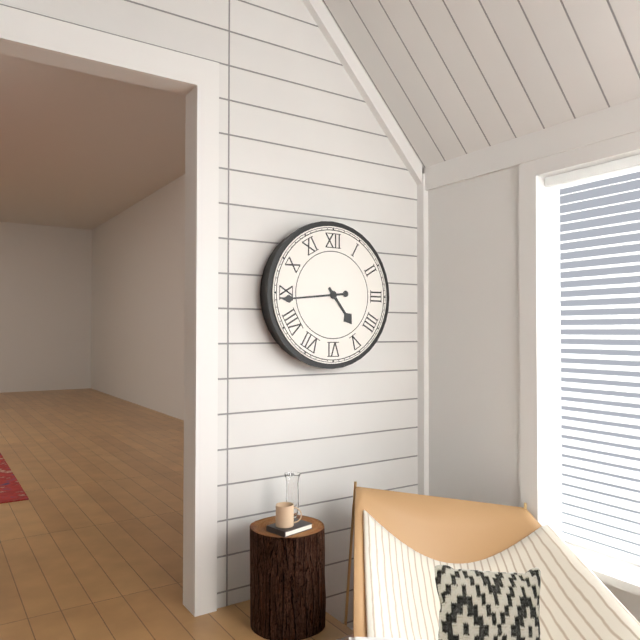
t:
4:44
